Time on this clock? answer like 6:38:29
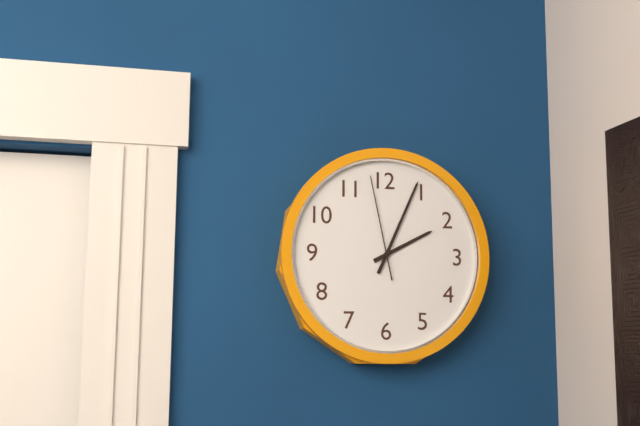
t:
2:04:58
